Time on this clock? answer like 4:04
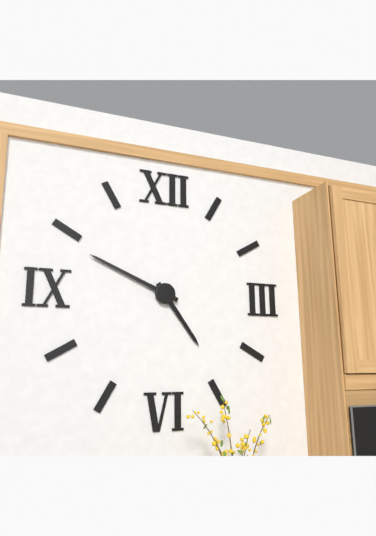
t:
4:49
